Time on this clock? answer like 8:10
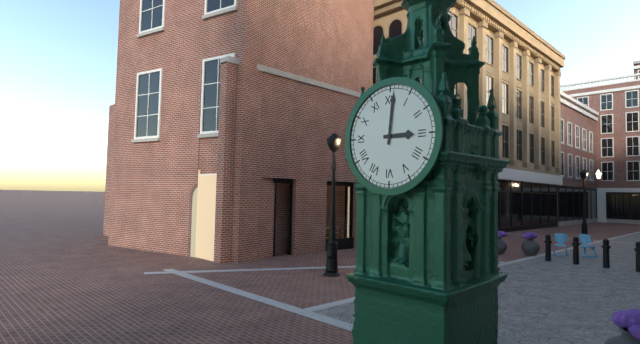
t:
3:01
